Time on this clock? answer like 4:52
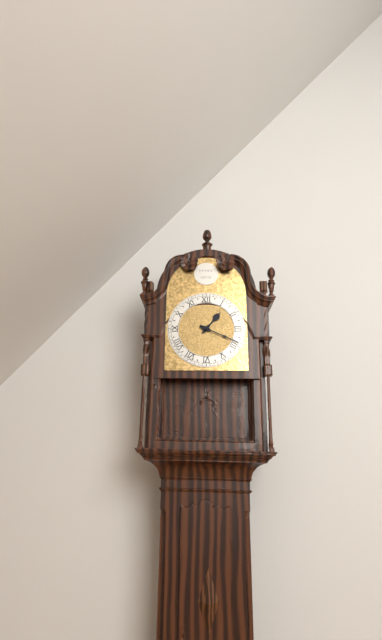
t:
1:19
